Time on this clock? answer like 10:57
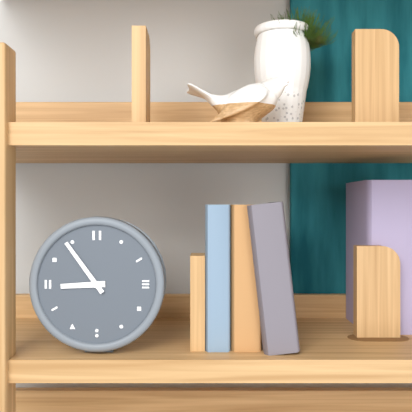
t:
8:54
